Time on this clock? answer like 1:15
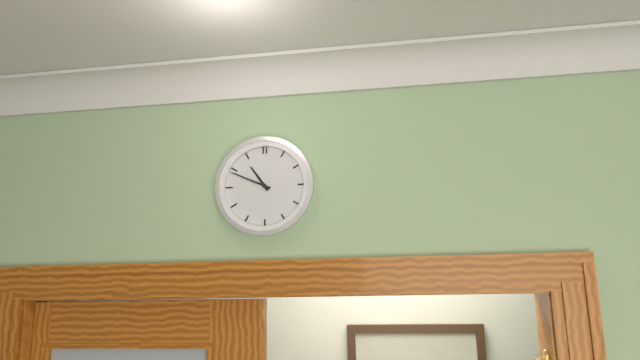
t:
10:49
